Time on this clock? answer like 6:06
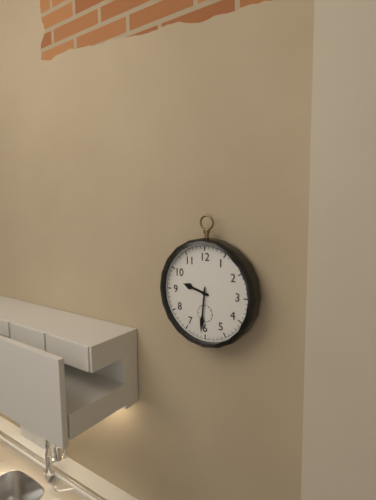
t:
9:31
